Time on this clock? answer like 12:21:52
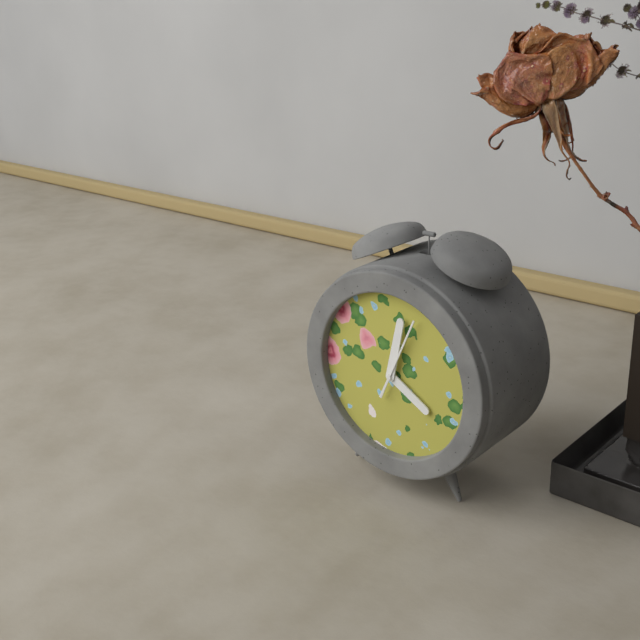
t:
4:02:04
